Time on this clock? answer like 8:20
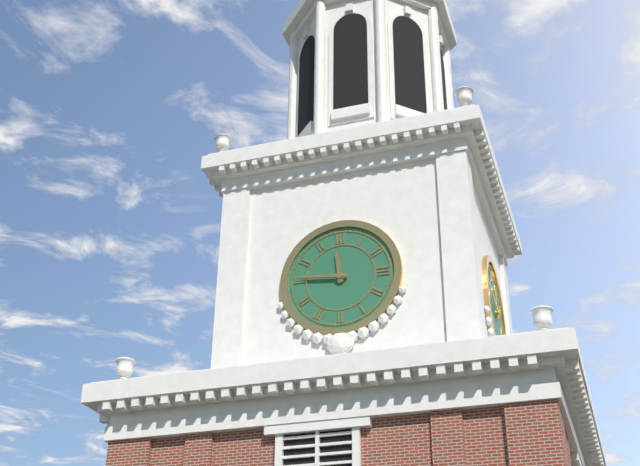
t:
11:46
